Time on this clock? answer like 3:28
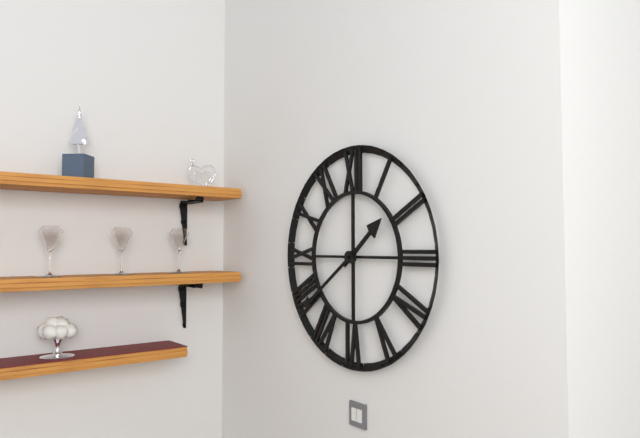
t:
1:39
